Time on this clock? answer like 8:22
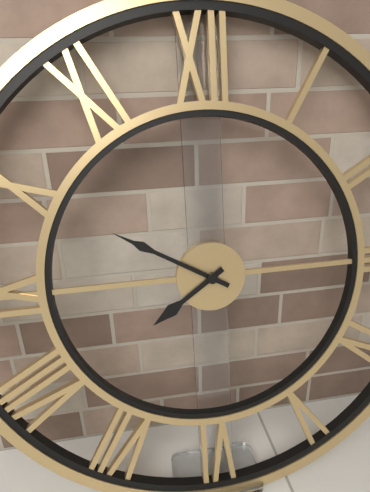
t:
7:50
